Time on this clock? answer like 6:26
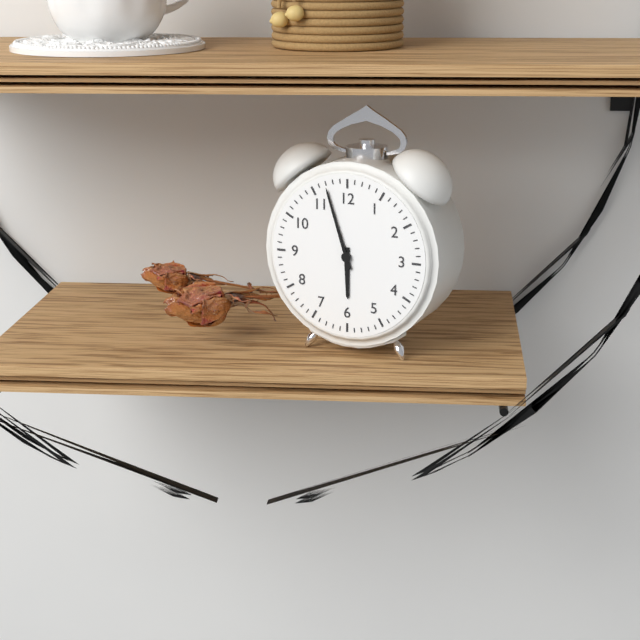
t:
5:57
